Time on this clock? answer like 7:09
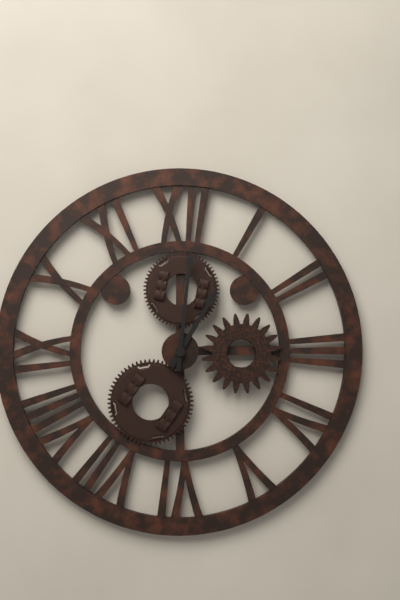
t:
1:01
